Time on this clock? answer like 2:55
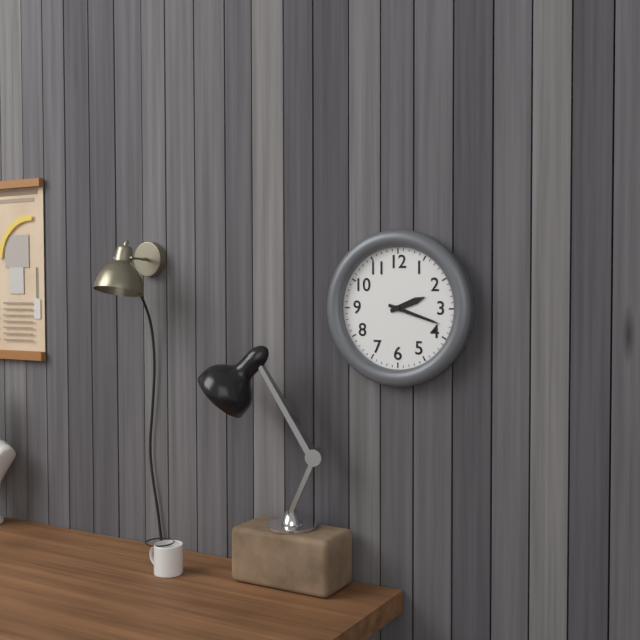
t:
2:18
